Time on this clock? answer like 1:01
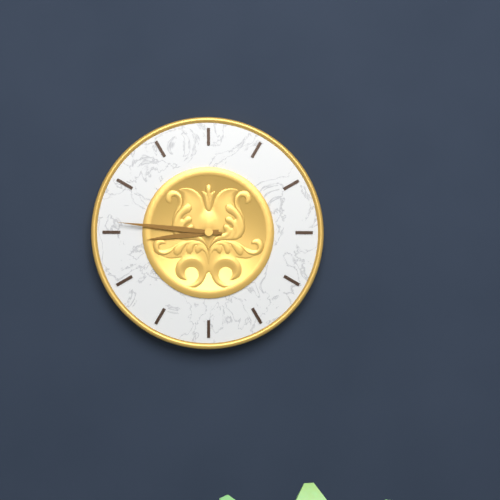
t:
8:46
